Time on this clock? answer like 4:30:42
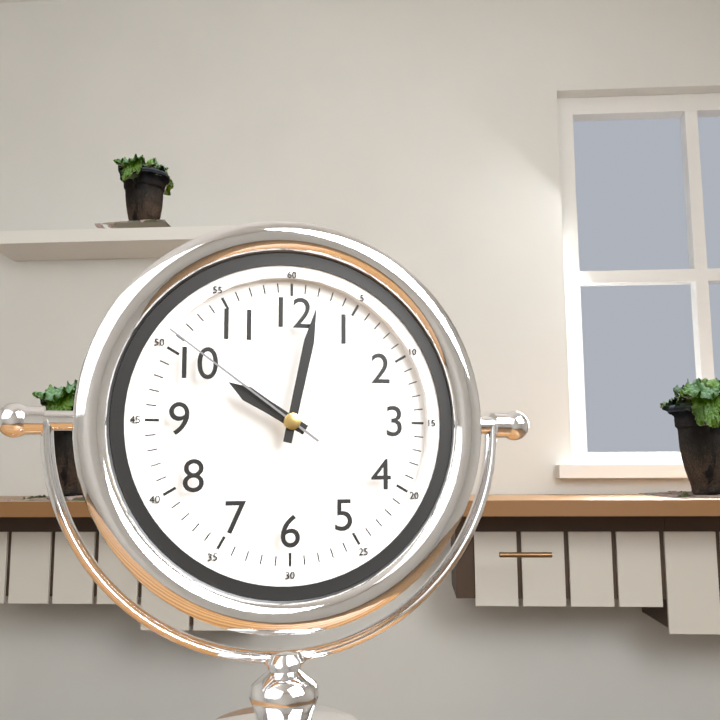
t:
10:02:51
